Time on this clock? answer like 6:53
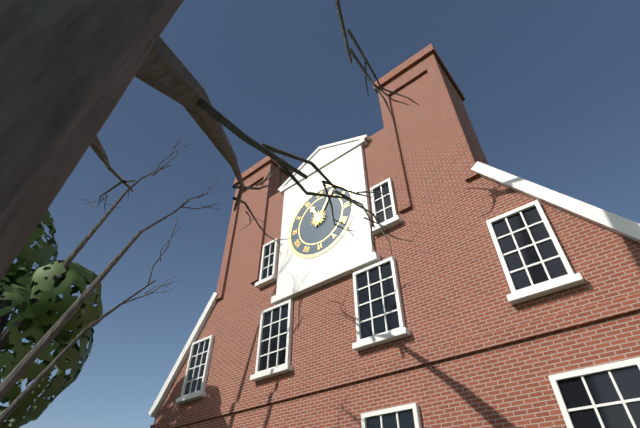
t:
11:05
